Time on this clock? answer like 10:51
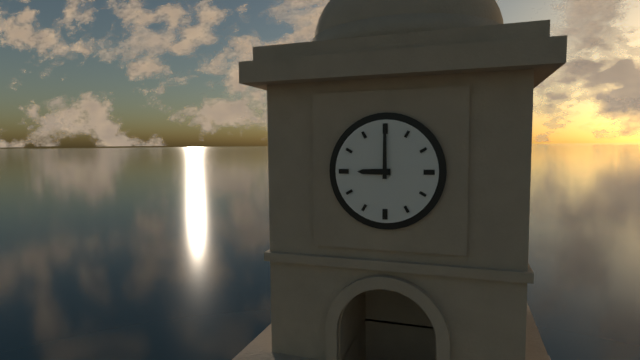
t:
9:00
